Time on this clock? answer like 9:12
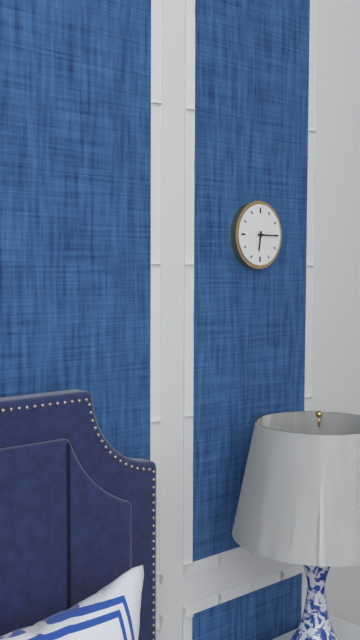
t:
6:15
